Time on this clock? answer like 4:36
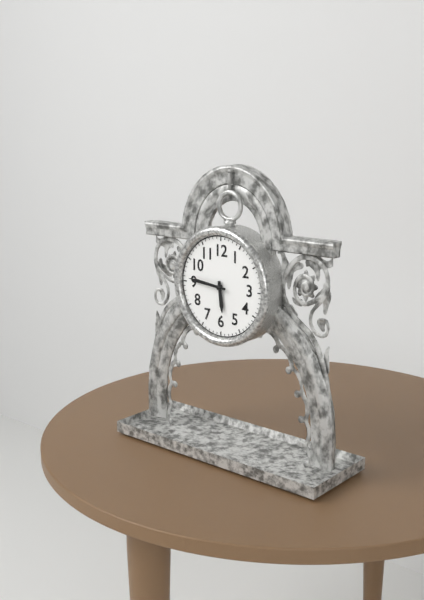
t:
5:46
